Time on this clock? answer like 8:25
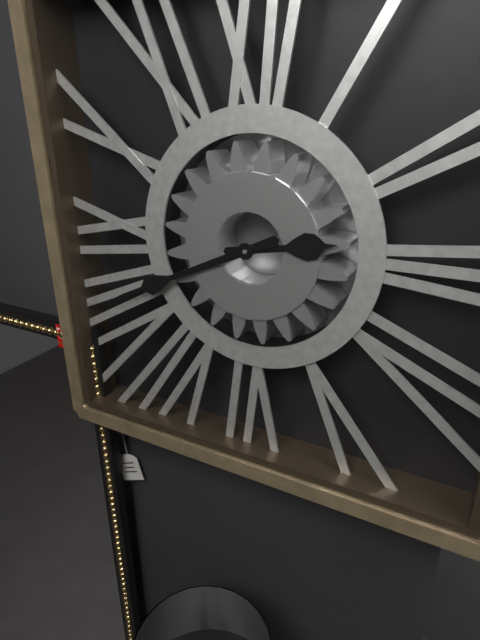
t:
2:41
